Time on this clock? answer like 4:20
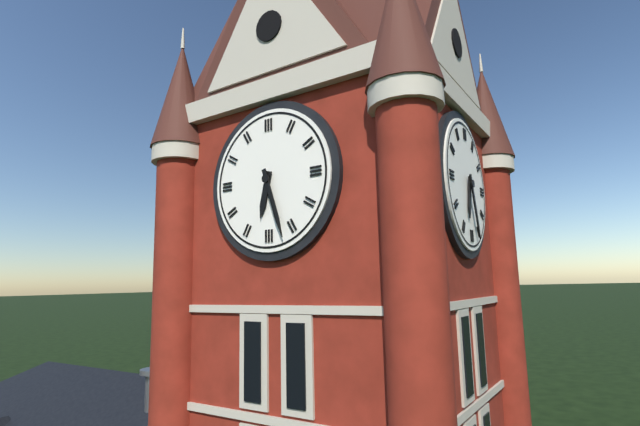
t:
6:27
